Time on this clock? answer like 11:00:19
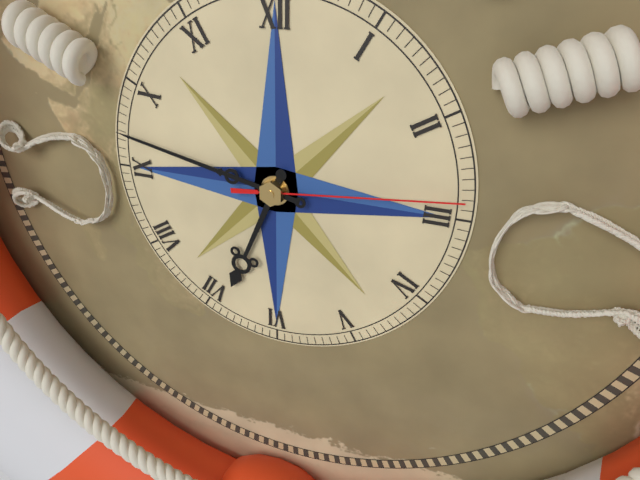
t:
6:47:14
